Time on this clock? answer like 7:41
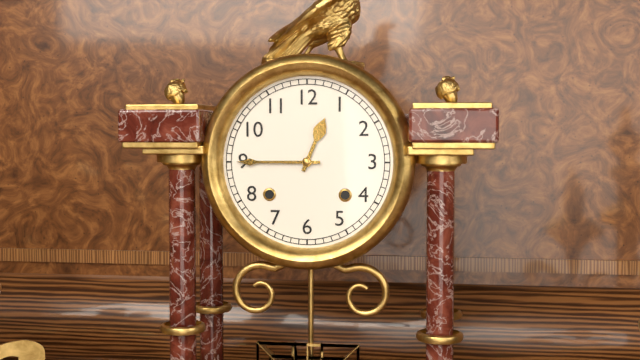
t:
12:45
